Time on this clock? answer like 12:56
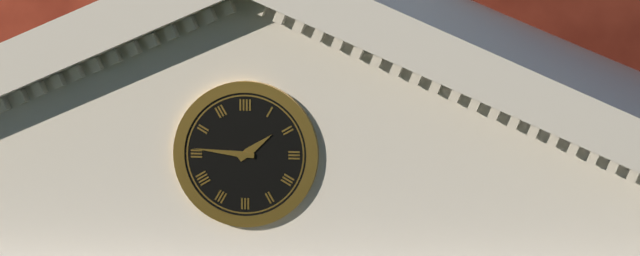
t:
1:46
